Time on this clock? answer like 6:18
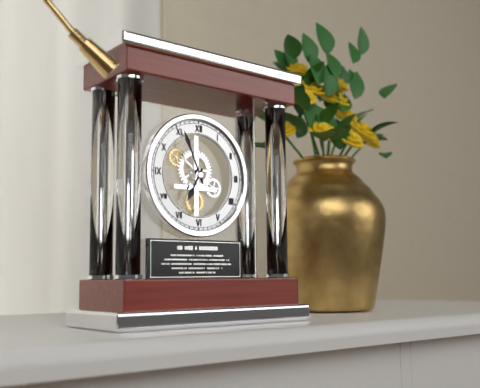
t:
6:56
